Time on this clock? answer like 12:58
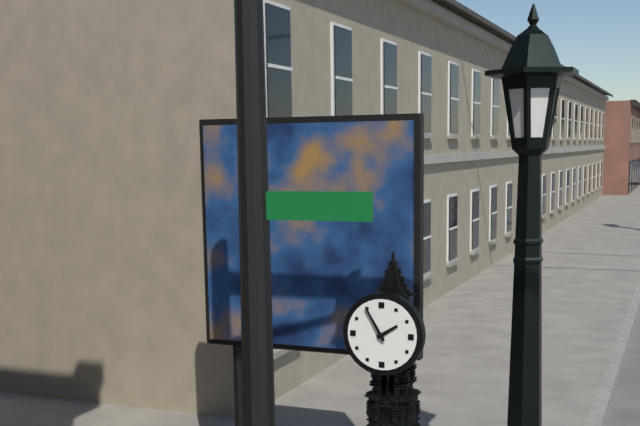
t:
1:55
